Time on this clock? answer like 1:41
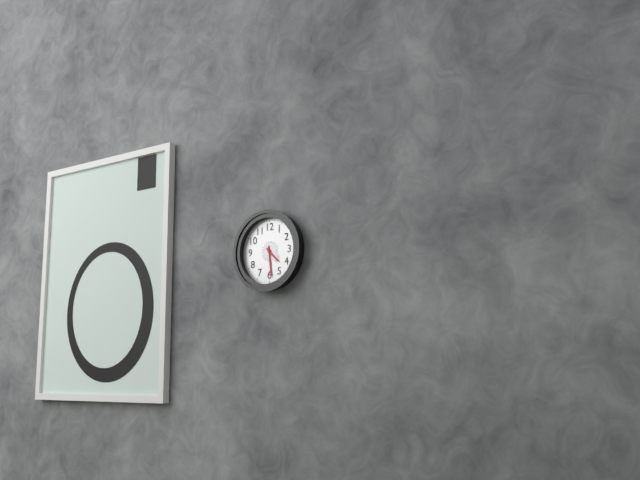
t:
4:29
